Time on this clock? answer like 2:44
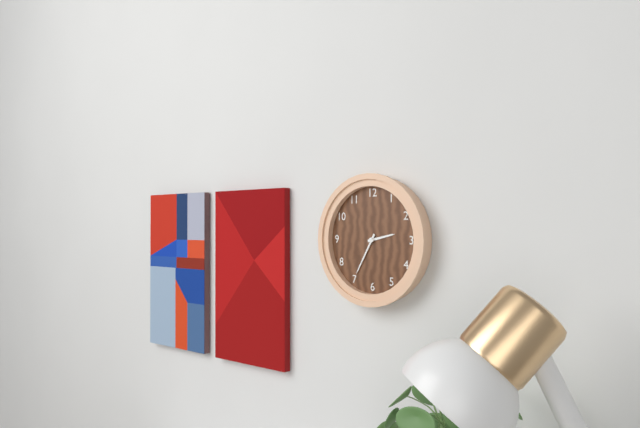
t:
2:35
